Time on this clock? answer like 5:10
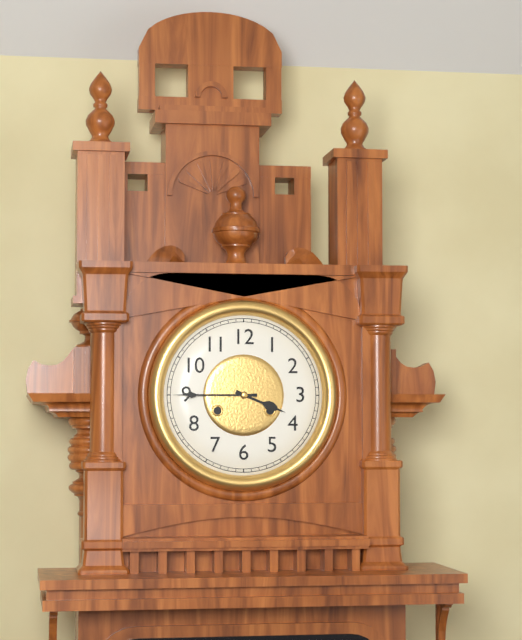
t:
3:45
